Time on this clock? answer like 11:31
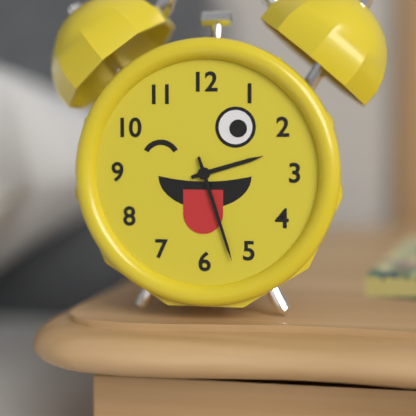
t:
2:27
